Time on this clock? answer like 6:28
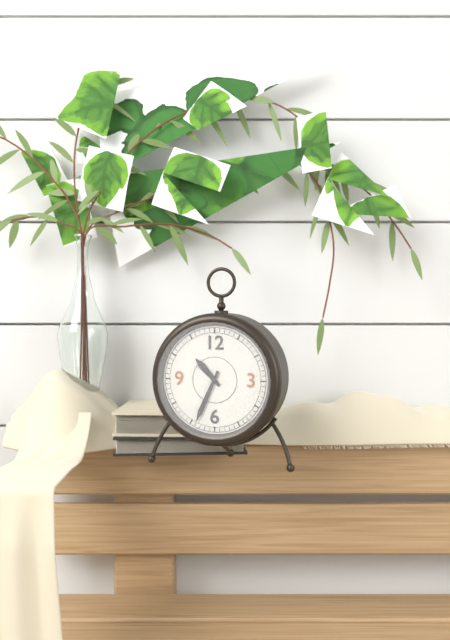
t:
10:34
